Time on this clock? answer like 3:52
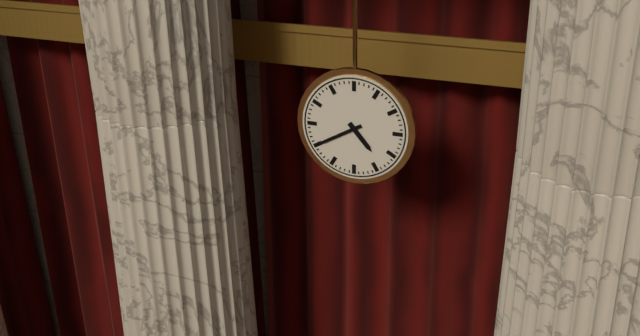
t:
4:40
